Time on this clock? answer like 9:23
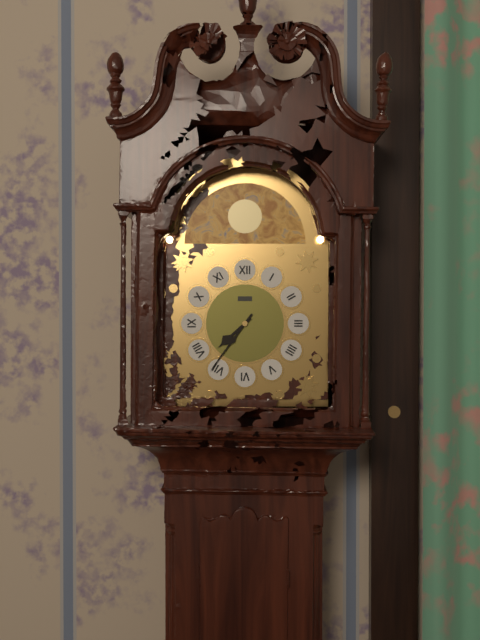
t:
7:36
